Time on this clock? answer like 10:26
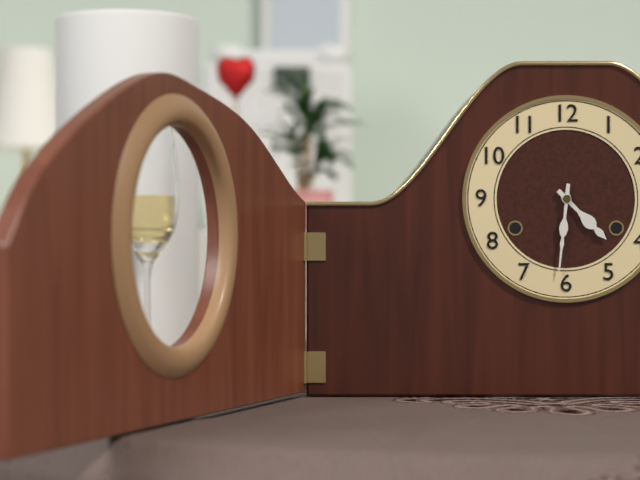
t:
4:31
